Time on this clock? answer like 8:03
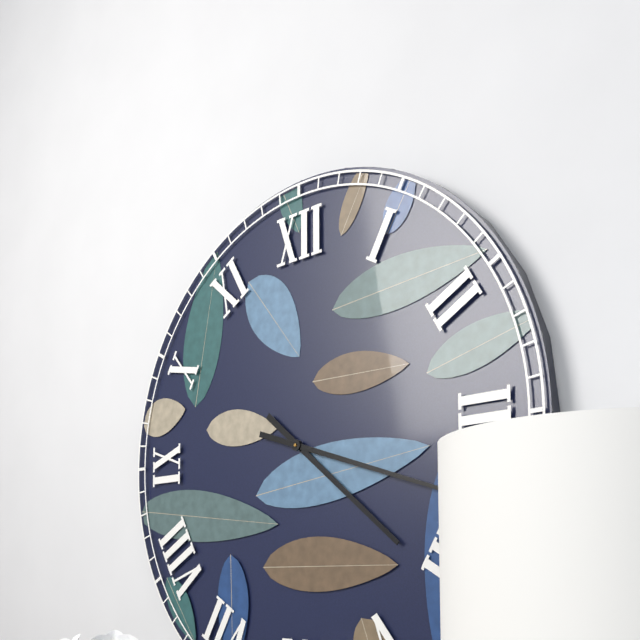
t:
4:18
